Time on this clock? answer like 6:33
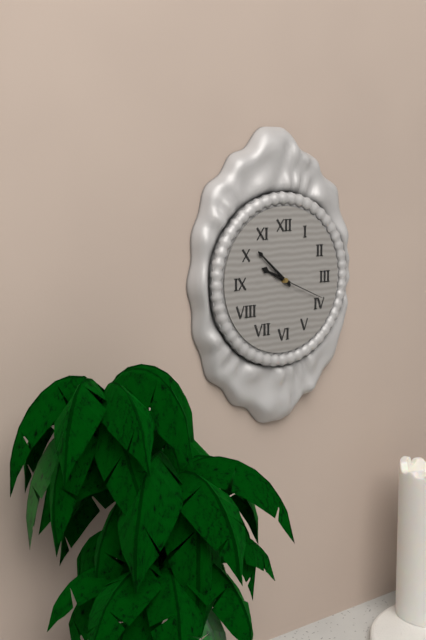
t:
9:52
